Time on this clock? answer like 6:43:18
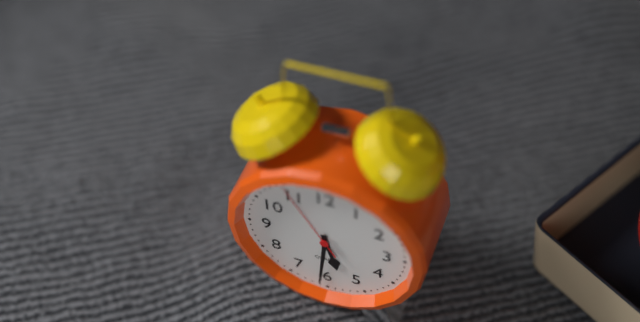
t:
5:31:55
